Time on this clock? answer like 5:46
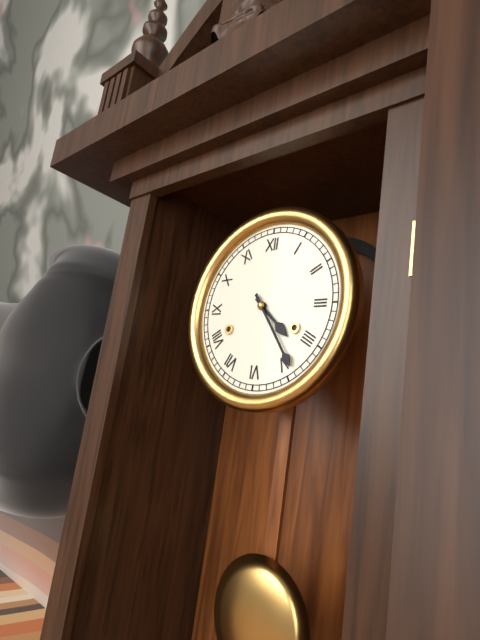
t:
4:24
